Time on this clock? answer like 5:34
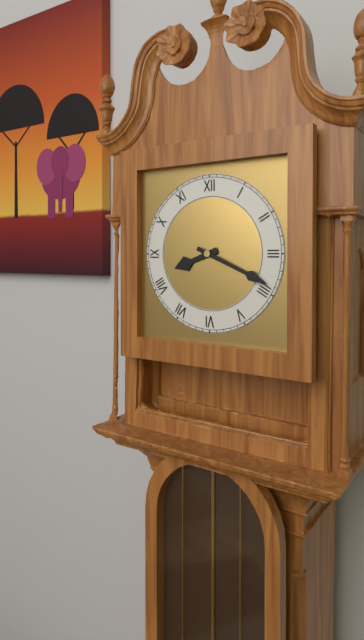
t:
8:19
